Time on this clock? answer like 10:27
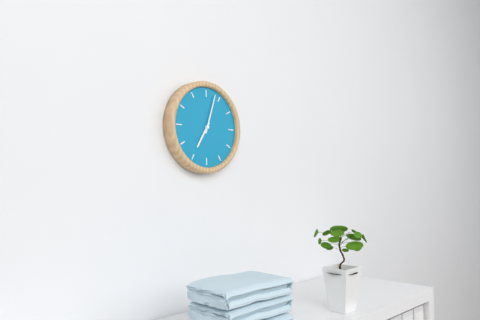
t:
7:03
